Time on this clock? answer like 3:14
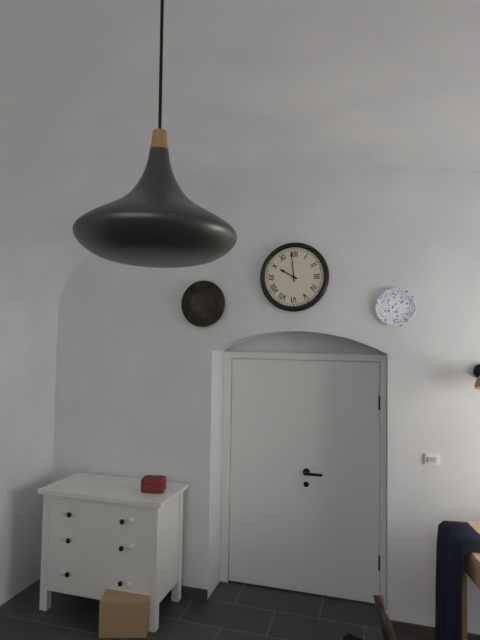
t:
9:59
